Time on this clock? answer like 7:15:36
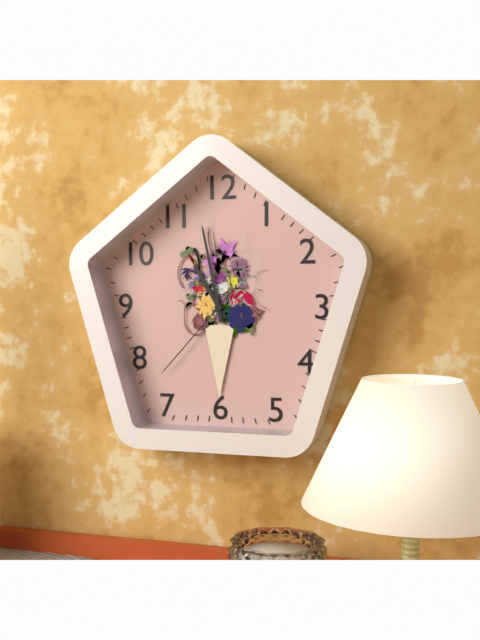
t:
10:58:37
